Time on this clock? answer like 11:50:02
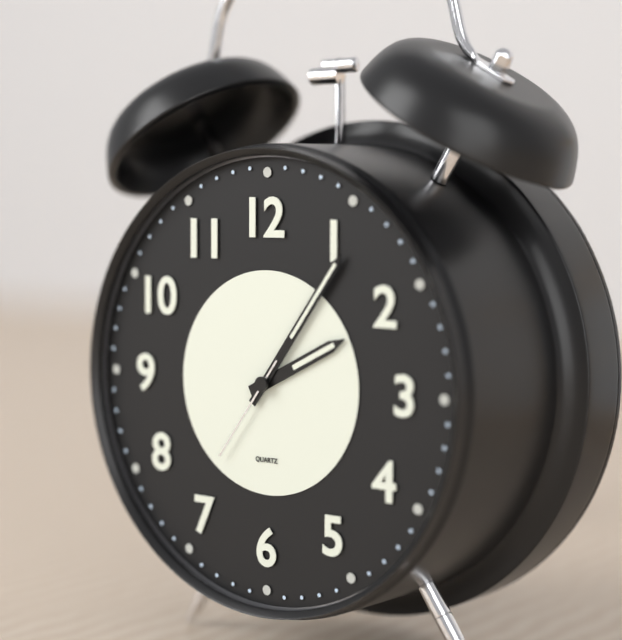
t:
2:06:36
